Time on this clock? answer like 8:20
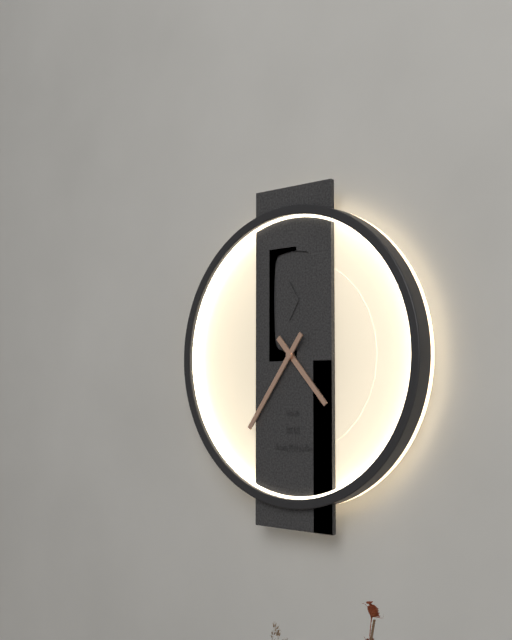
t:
4:36
